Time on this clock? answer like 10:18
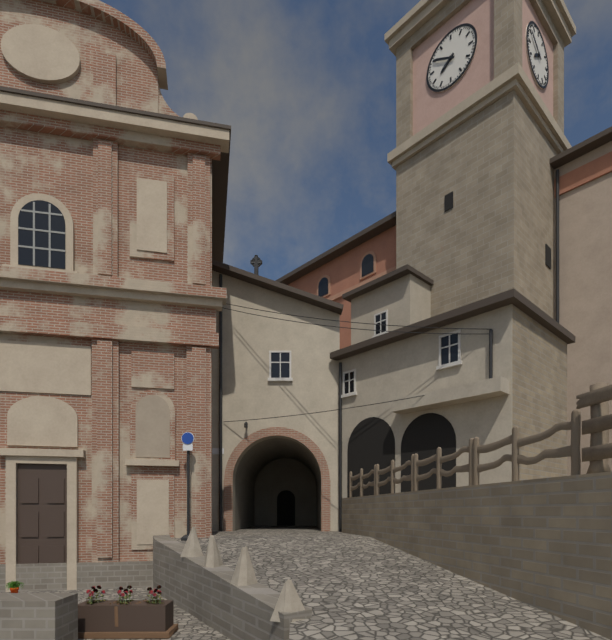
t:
7:50
